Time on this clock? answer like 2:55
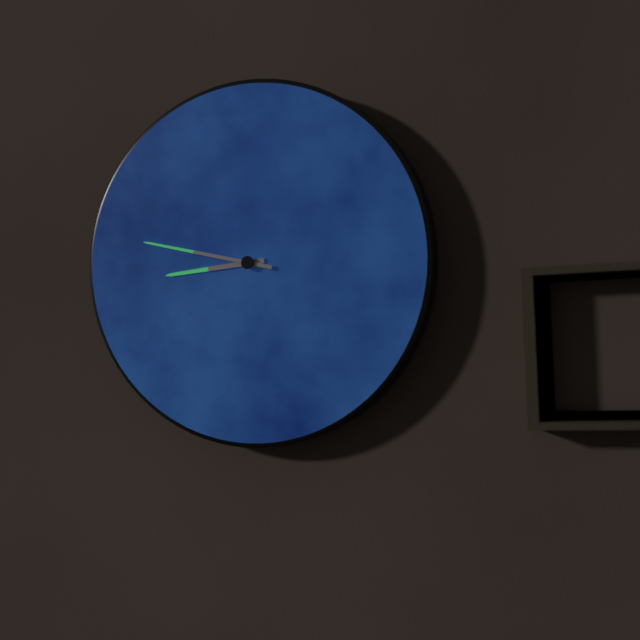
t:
8:47
